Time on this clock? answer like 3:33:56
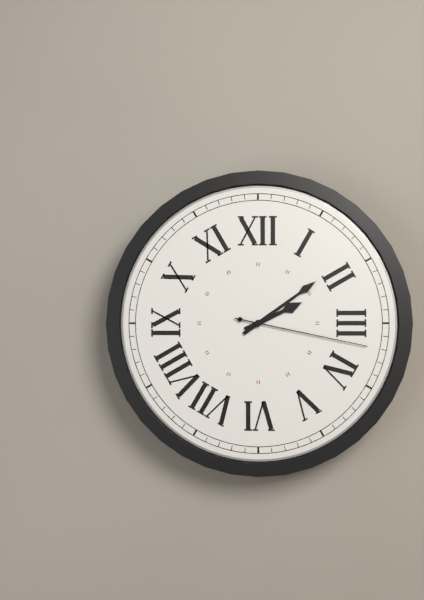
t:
2:09:17
